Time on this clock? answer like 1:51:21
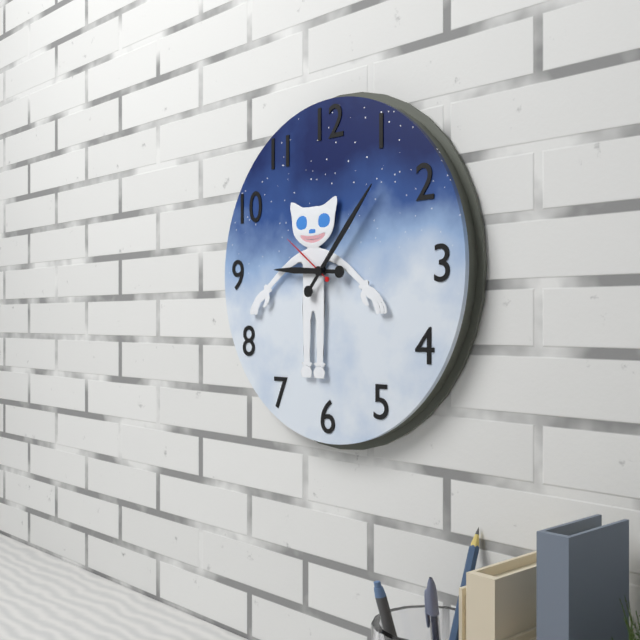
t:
9:07:51
